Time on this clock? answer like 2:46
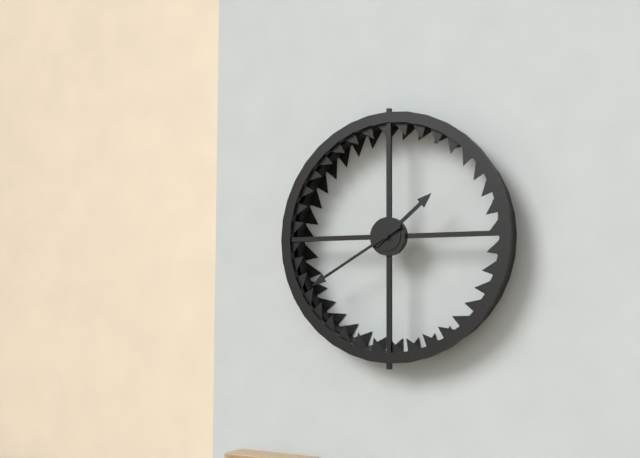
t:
1:40
